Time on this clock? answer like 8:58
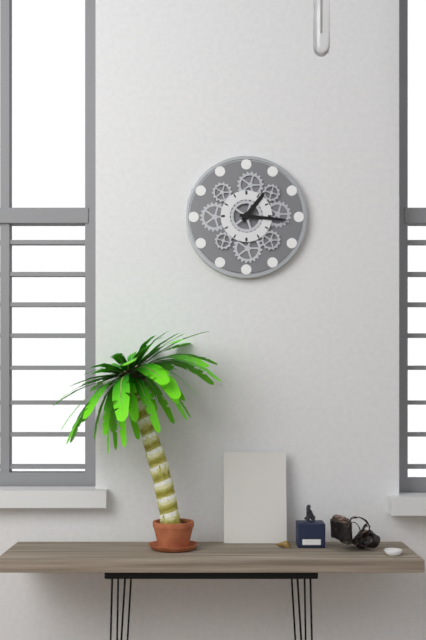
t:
1:16
